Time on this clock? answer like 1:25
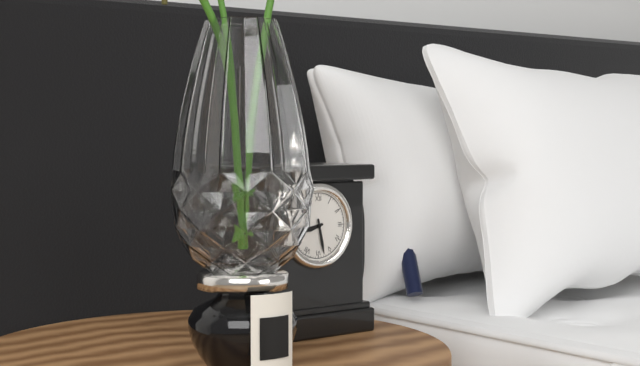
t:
8:28
